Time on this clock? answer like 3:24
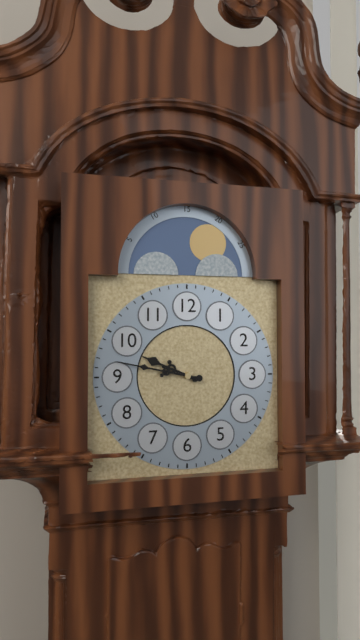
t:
9:47
